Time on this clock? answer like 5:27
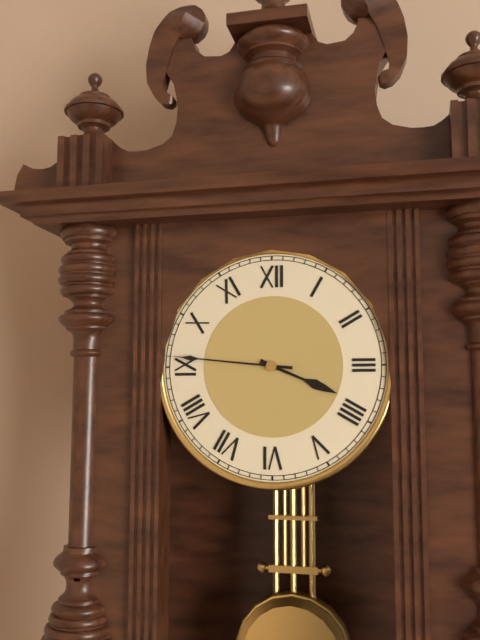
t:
3:46
